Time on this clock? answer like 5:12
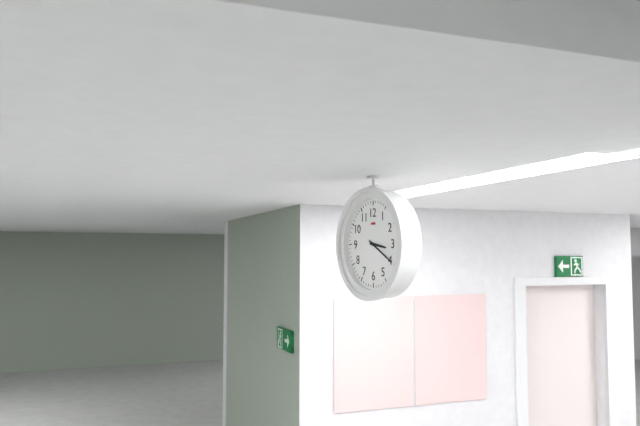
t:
3:20
